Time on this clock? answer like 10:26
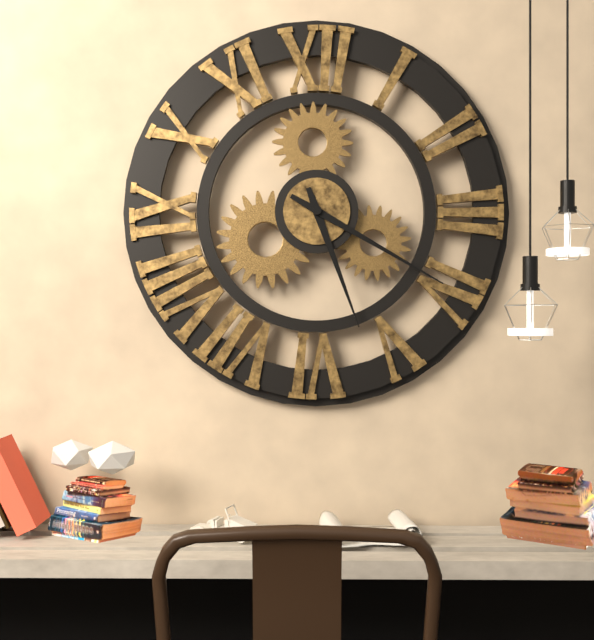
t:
5:20
